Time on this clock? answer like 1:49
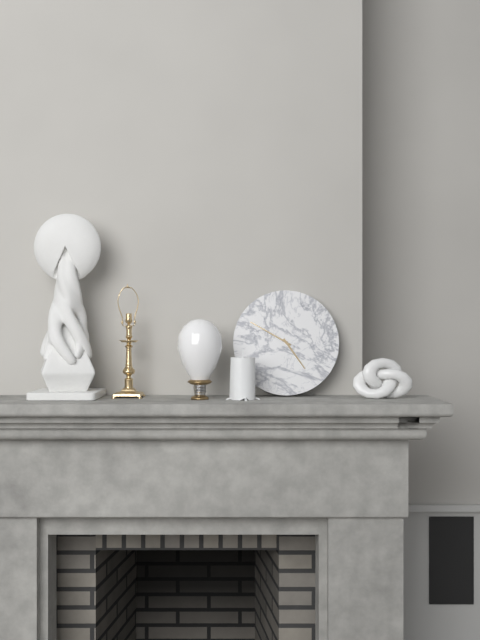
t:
4:50
